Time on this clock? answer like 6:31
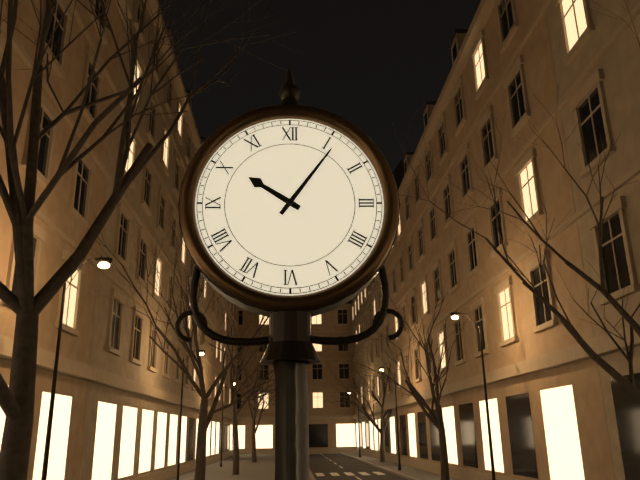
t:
10:06
